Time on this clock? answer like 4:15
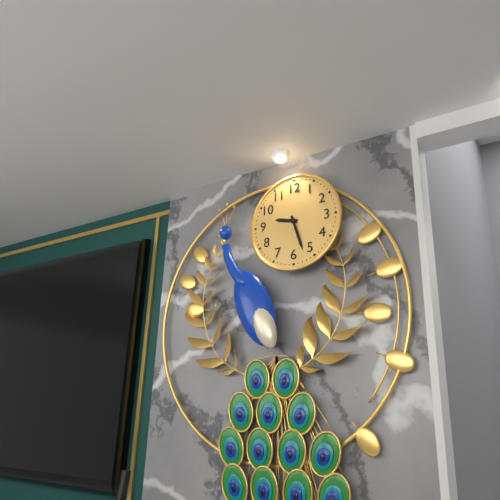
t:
9:27
